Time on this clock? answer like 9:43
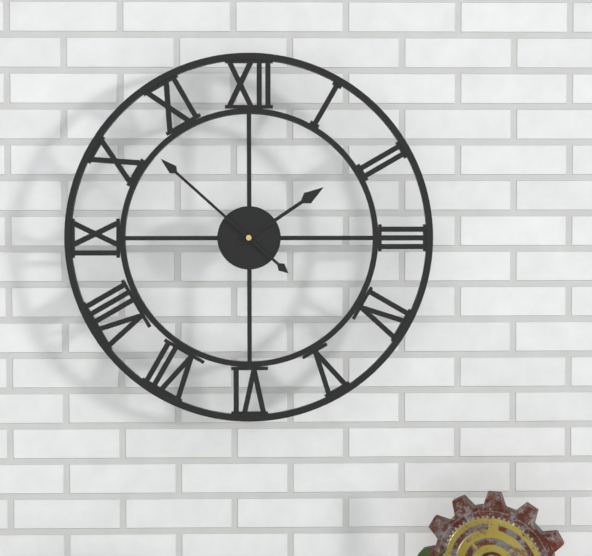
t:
1:52
